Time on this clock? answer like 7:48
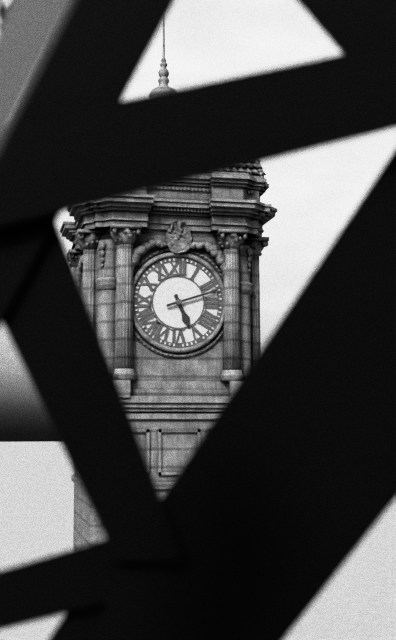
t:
5:12
